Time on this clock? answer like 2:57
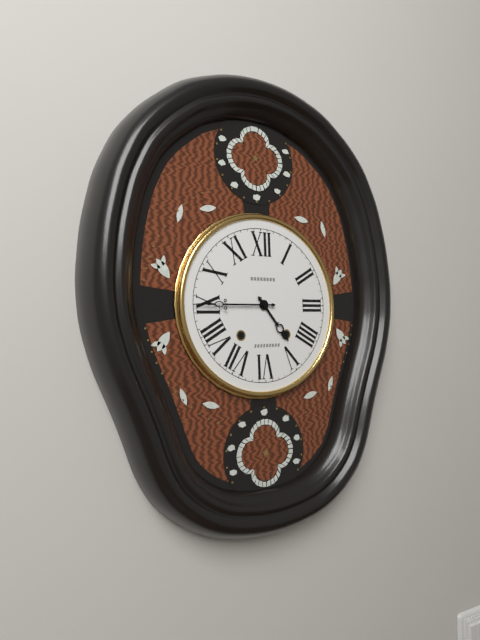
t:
4:45
